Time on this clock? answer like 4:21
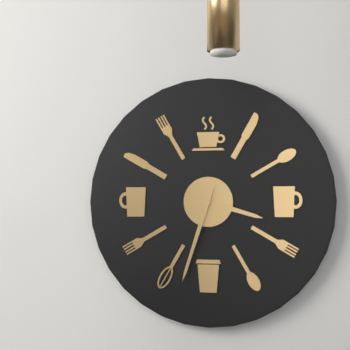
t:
3:33
